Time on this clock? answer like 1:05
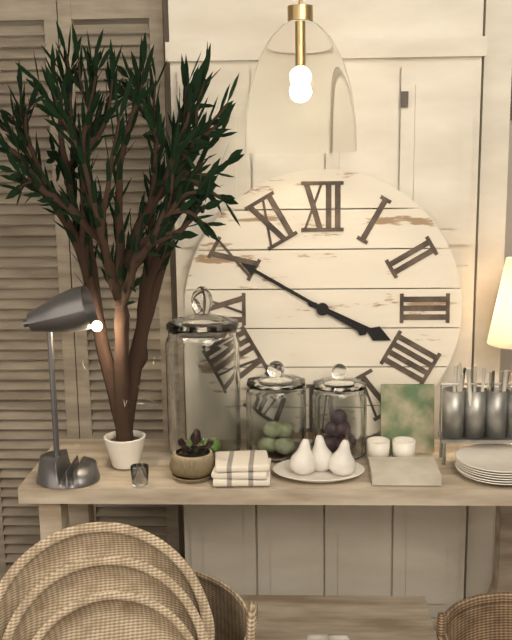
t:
3:50
